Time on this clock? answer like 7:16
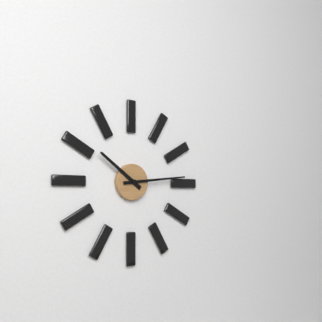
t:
10:14
